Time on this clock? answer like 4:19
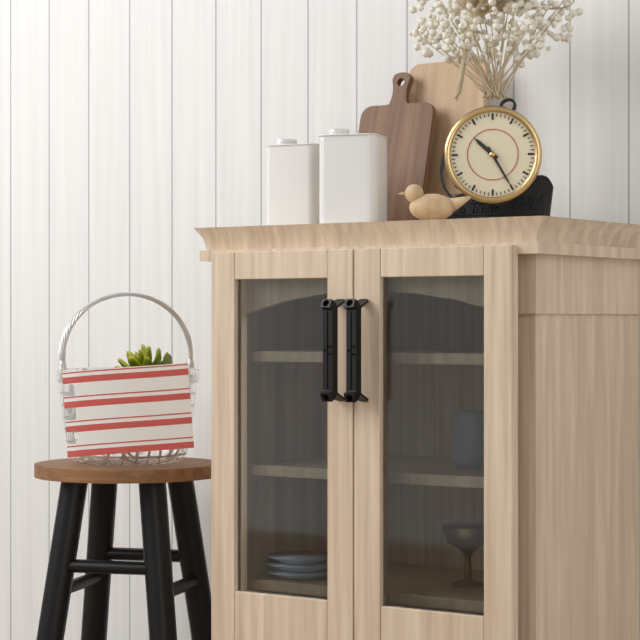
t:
10:25
